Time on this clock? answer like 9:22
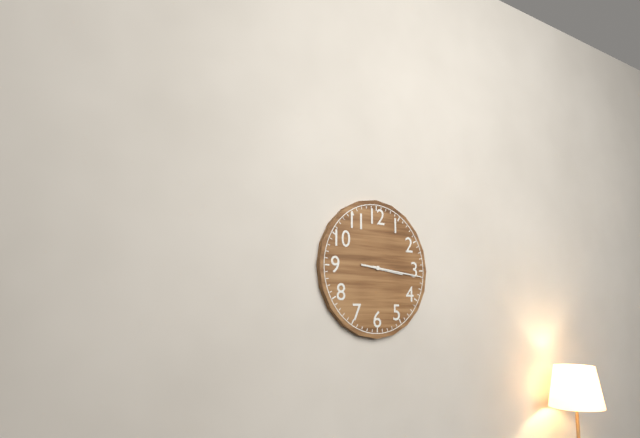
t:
3:16
